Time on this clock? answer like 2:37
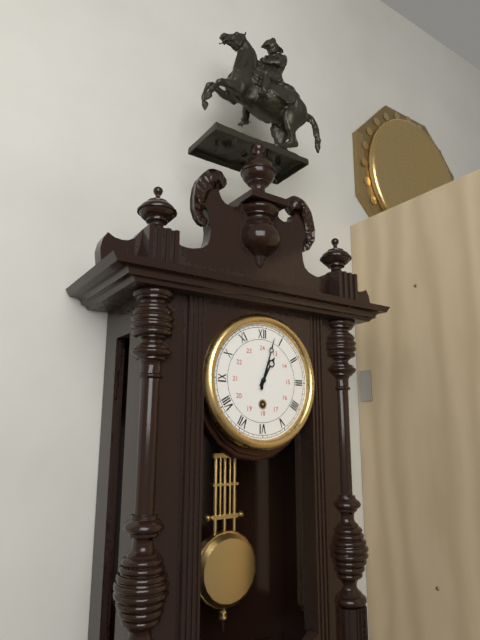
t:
1:03
